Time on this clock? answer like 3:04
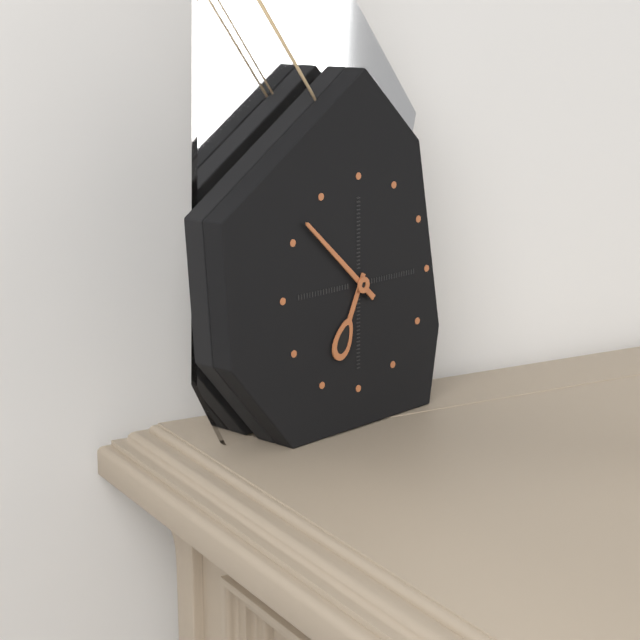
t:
6:52
